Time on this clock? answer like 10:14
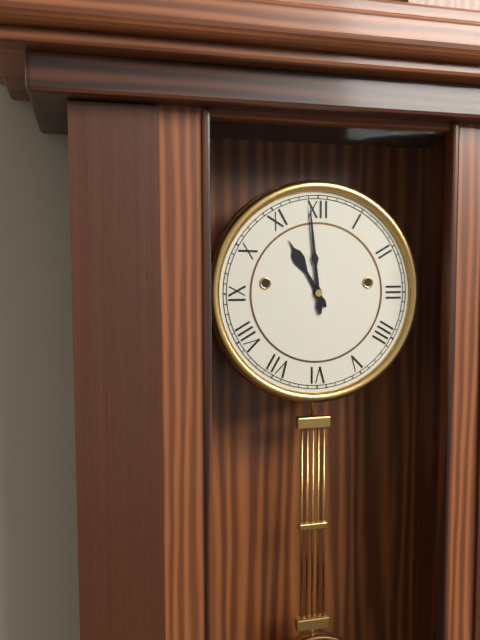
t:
10:59
